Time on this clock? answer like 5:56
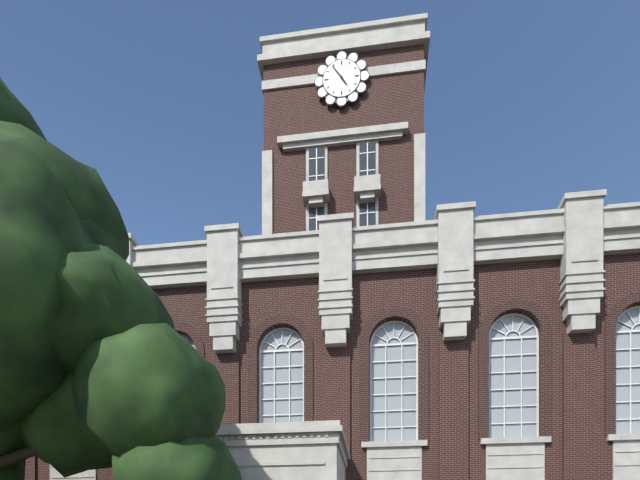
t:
4:54
